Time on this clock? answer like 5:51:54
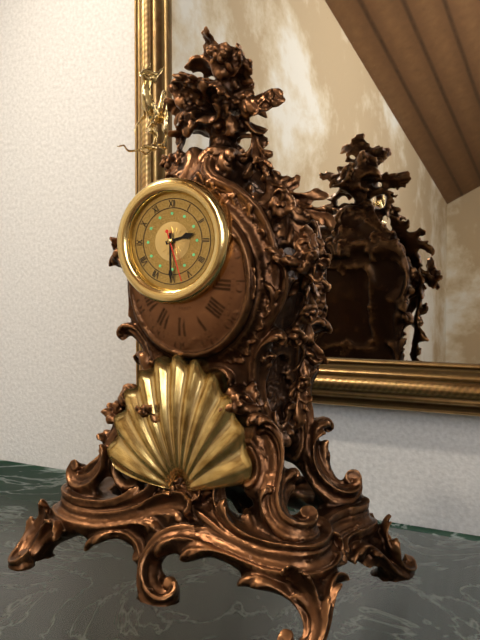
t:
2:30:27
